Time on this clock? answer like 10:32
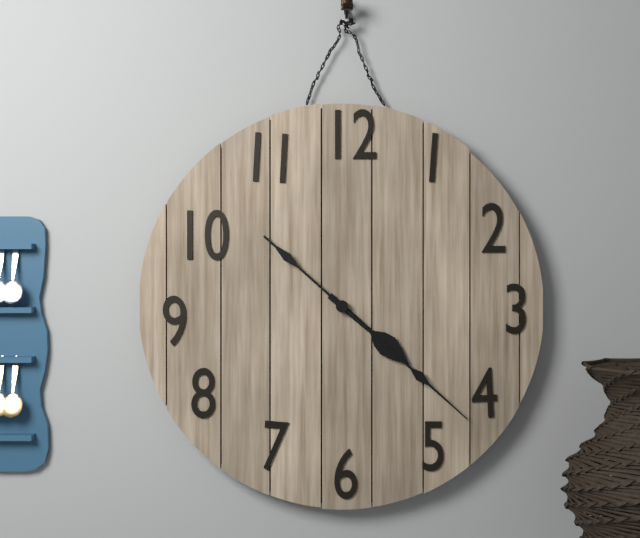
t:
4:22
